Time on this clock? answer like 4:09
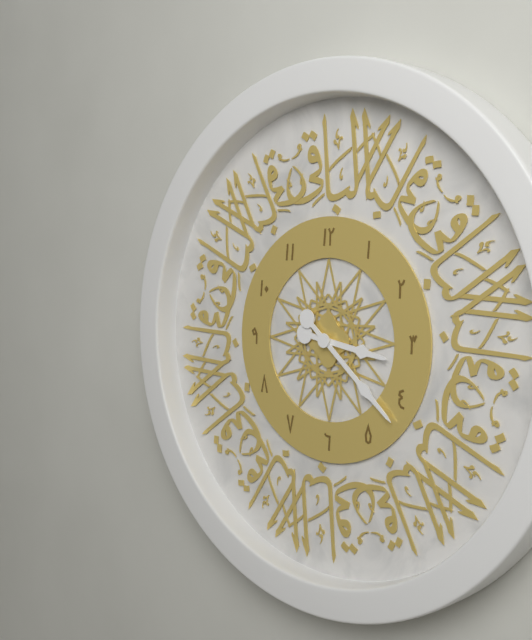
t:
3:22
